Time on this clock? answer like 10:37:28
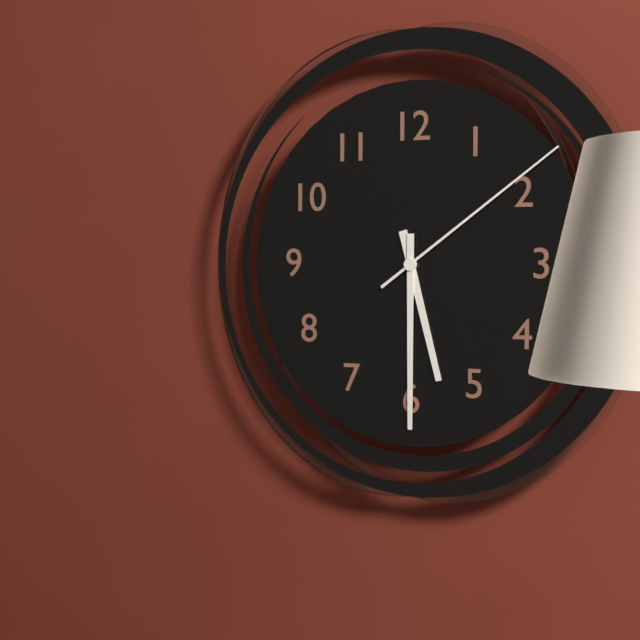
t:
5:30:09
